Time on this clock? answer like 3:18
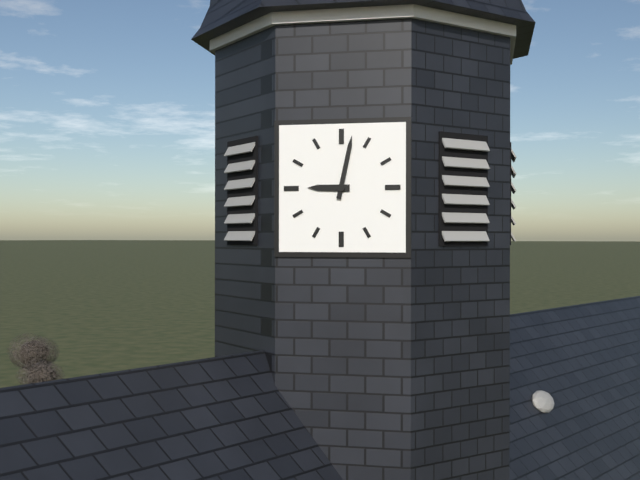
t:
9:02
